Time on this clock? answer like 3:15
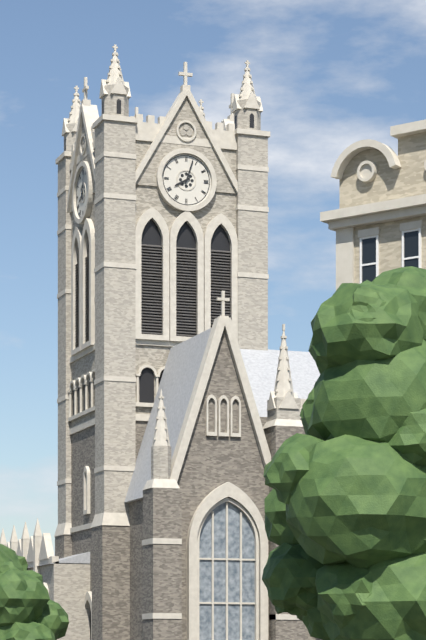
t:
8:03
